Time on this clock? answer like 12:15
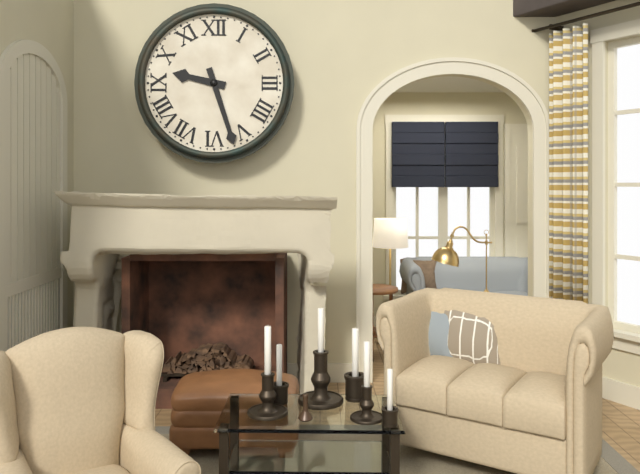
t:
9:27
